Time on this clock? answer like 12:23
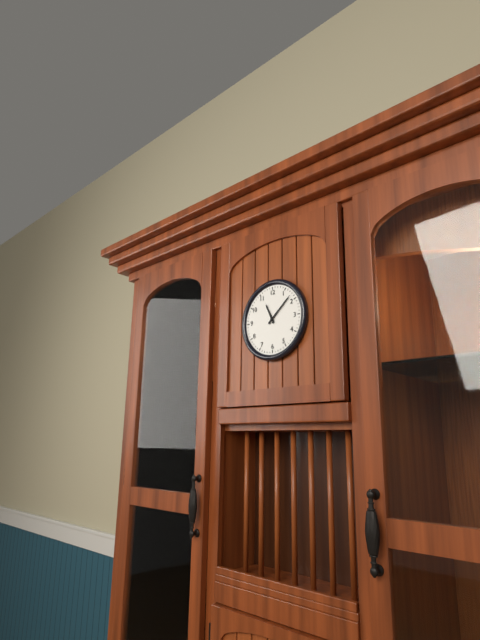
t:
11:08
